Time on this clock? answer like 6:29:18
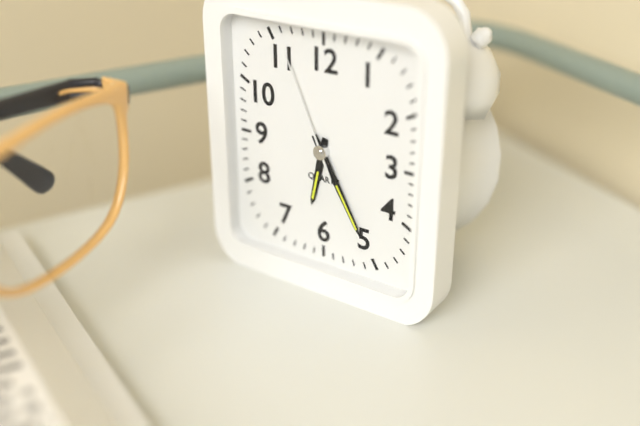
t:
6:25:56
